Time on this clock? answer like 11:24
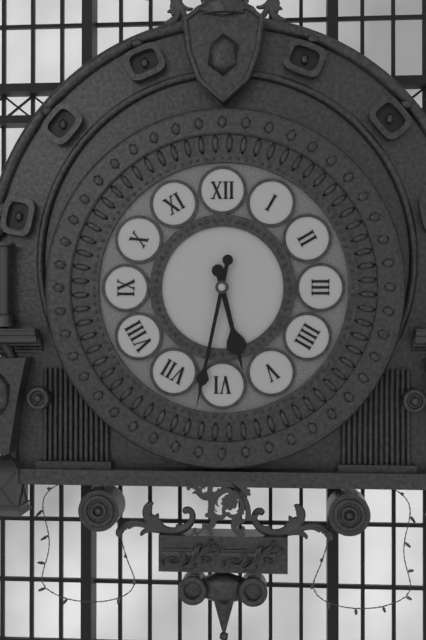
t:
5:32
